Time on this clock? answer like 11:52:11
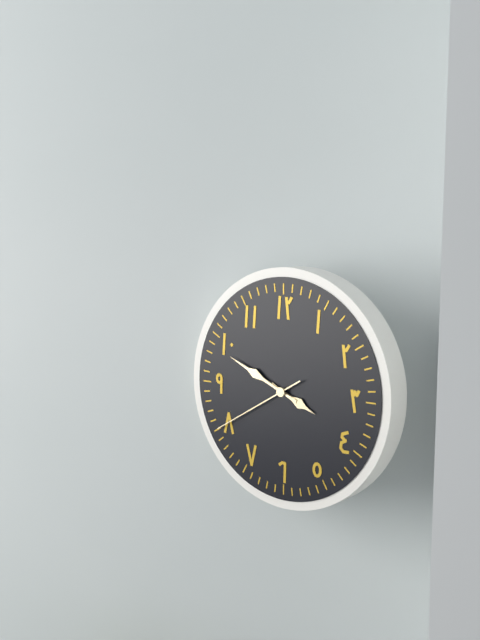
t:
3:49:40
